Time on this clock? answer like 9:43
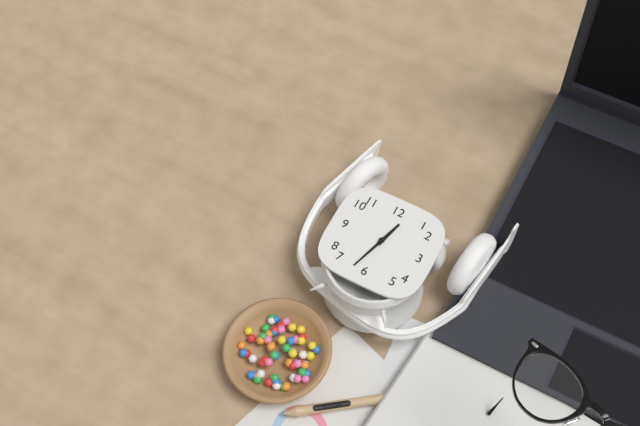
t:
12:33
